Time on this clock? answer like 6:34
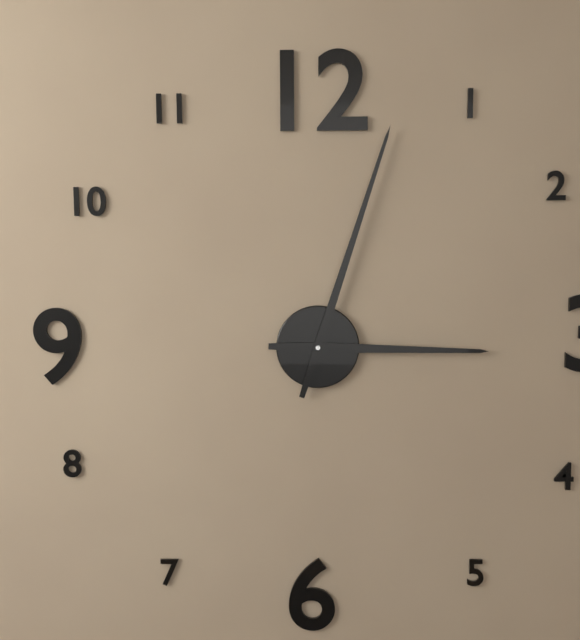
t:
3:03
